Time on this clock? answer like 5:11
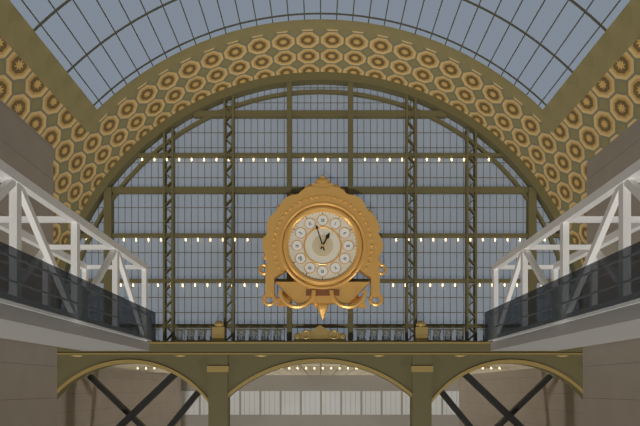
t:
12:57
